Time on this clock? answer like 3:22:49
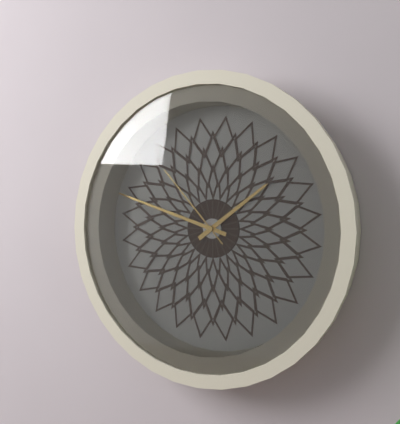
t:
1:48:53
